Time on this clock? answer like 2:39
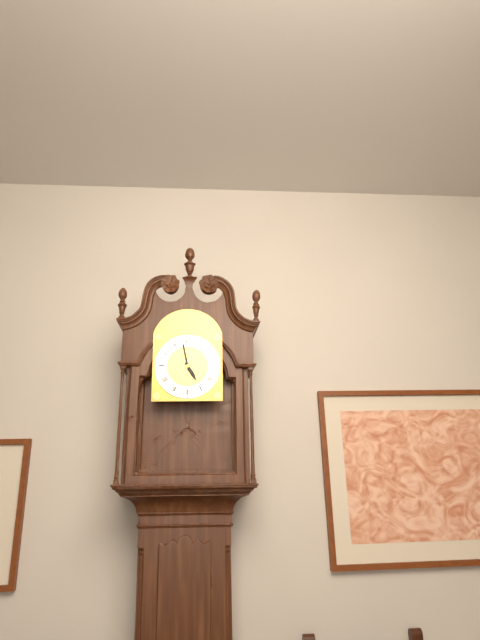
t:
4:58
